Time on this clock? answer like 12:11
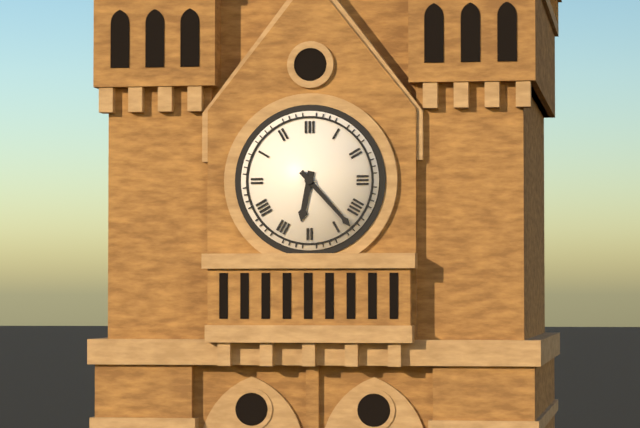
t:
6:23
